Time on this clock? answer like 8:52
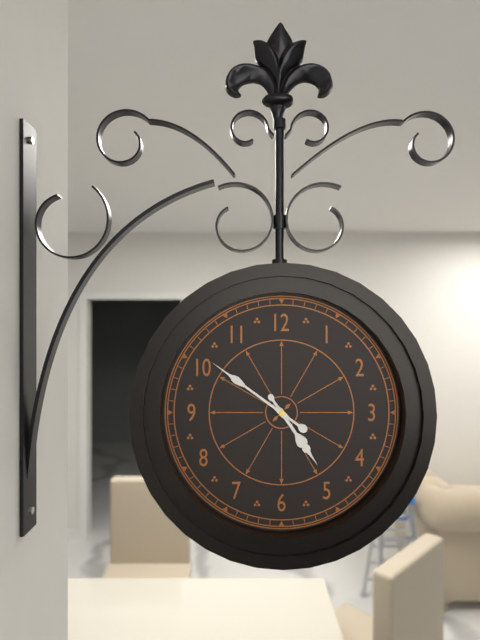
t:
4:51
